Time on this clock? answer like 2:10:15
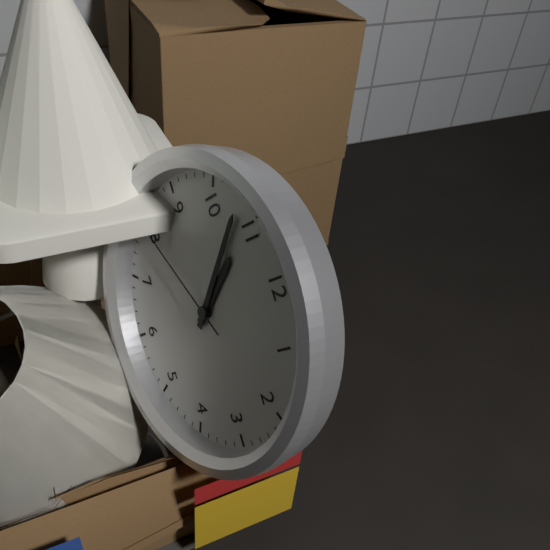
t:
10:53:40
